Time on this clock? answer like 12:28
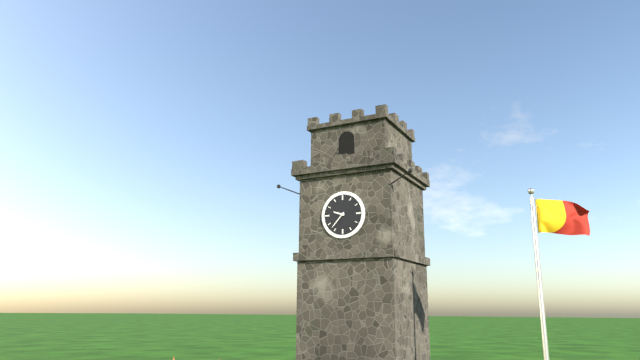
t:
9:37
